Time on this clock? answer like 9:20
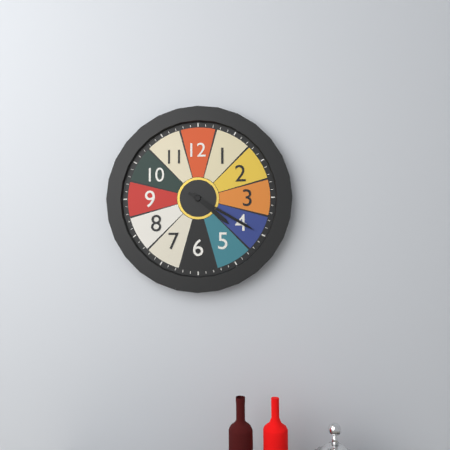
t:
4:20
